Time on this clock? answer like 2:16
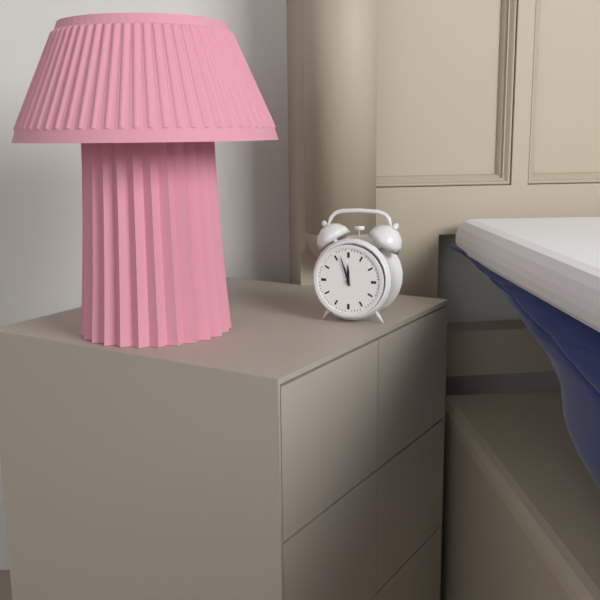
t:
11:57
